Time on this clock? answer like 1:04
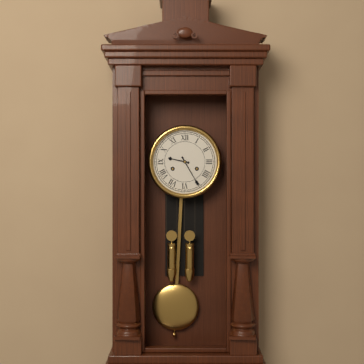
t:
9:25
